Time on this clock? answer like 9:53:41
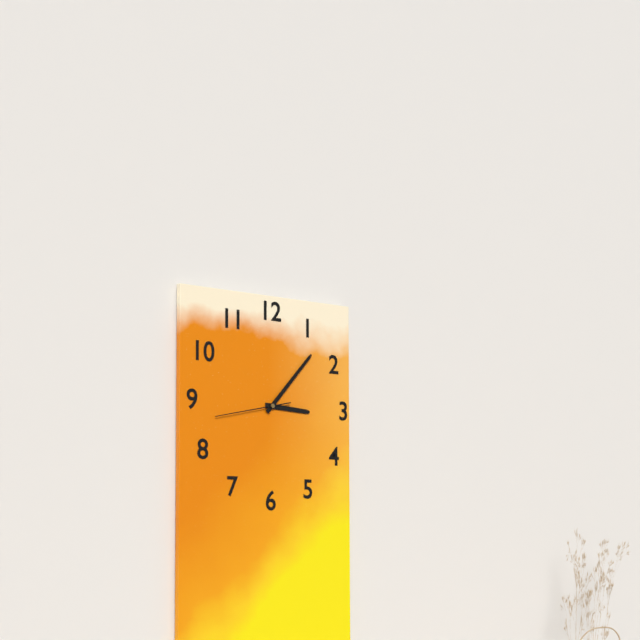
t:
3:07:43
